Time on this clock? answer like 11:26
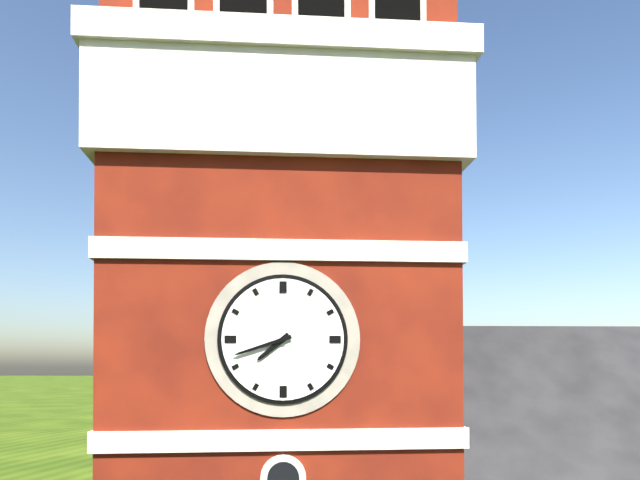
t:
7:42
